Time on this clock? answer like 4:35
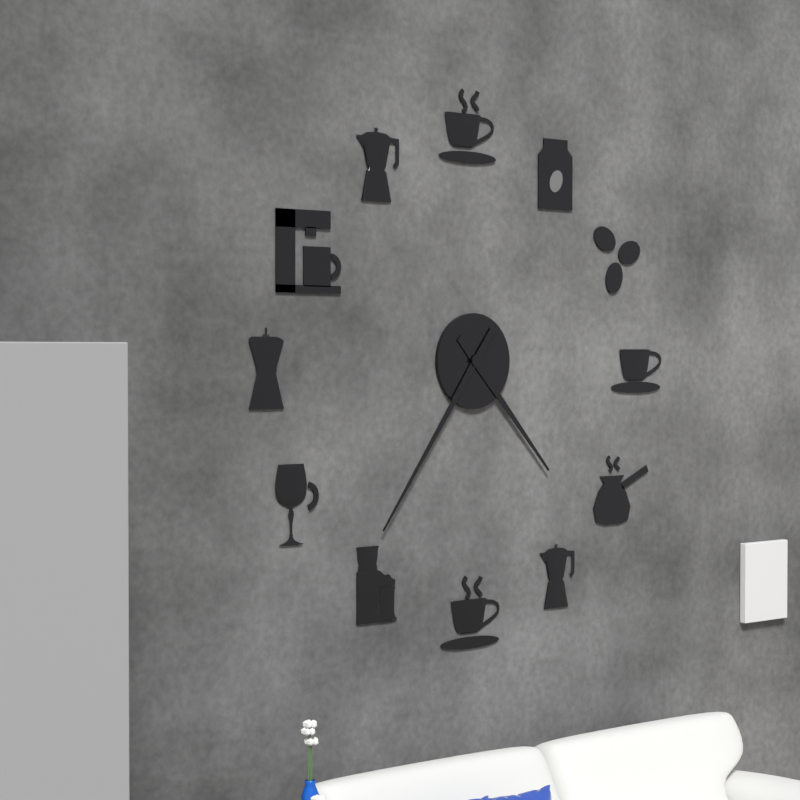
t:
4:36
